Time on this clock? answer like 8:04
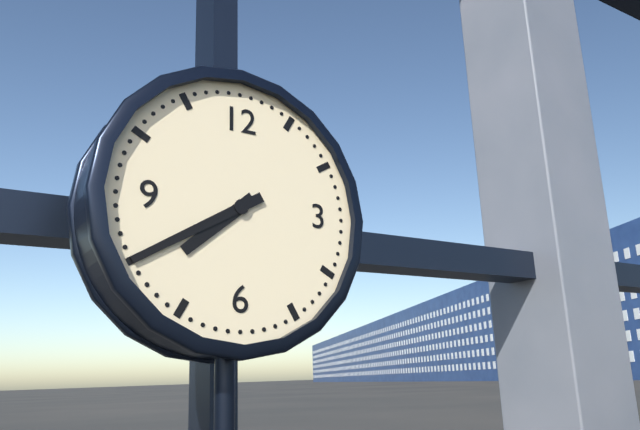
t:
7:40
